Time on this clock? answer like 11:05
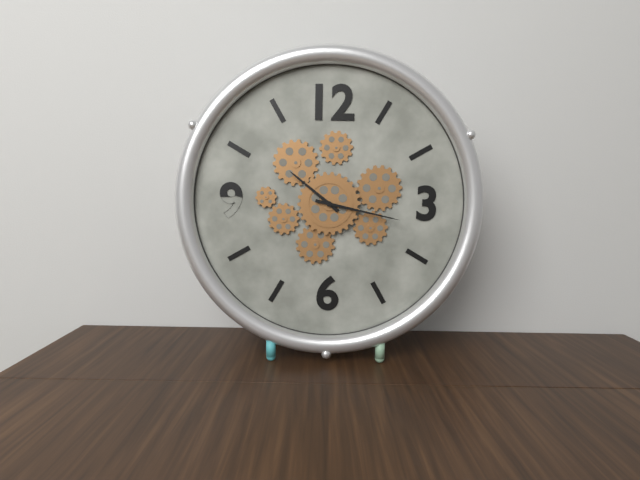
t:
10:17
